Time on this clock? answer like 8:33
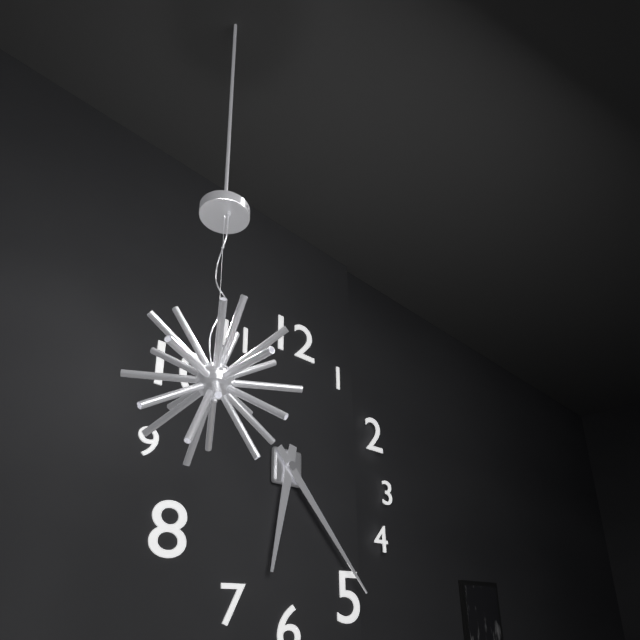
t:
6:23
